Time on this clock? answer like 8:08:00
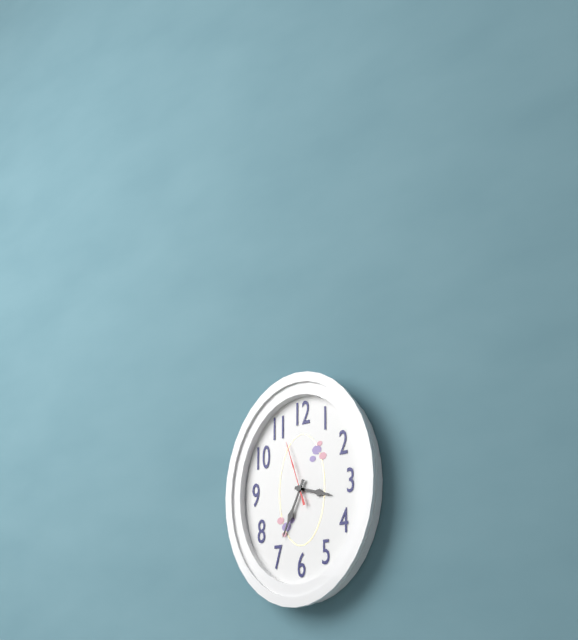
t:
3:34:57
